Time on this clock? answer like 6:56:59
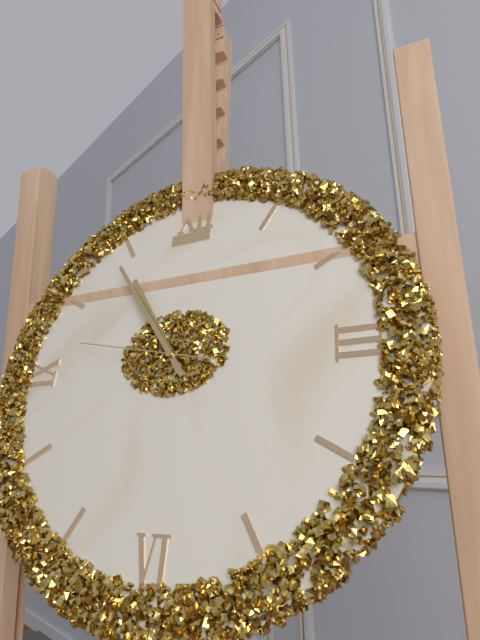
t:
10:54:47
